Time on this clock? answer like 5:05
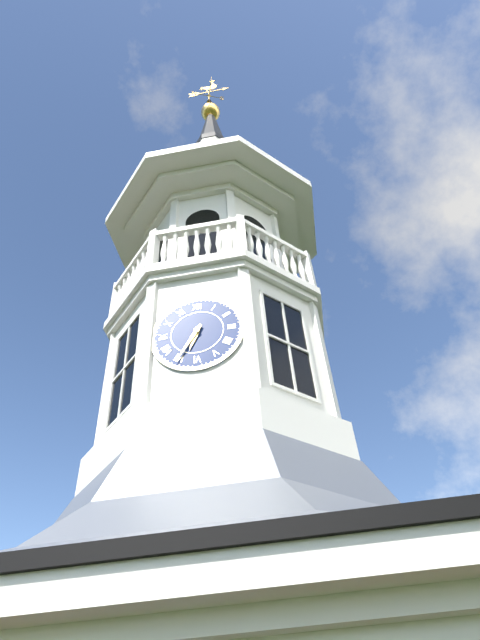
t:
6:35
